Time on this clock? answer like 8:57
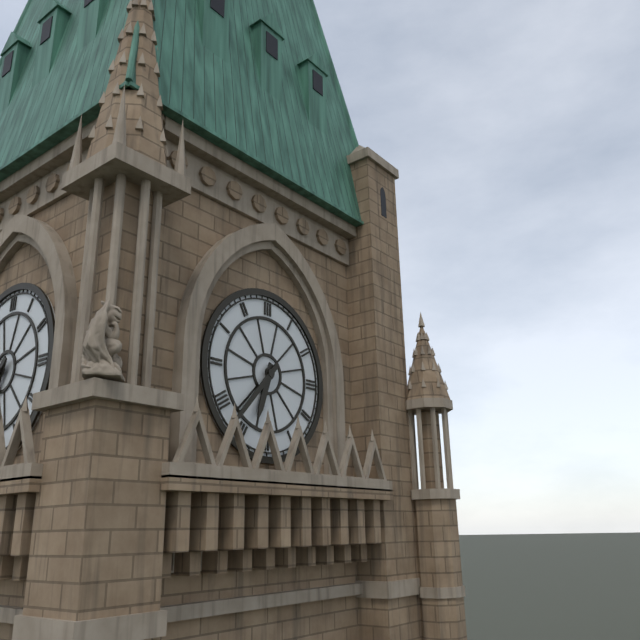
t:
6:37
